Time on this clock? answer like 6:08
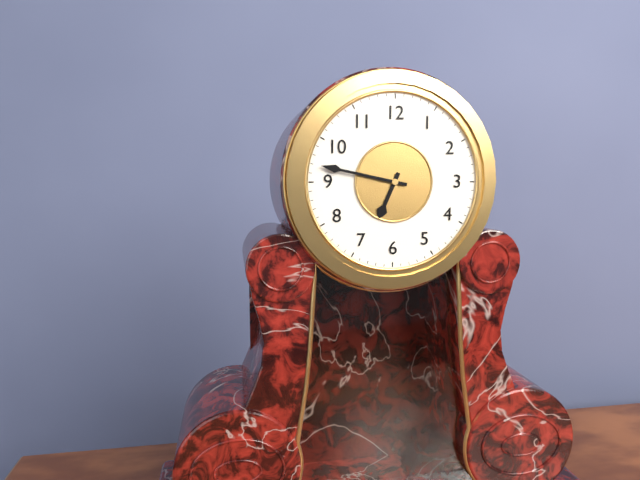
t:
6:47
